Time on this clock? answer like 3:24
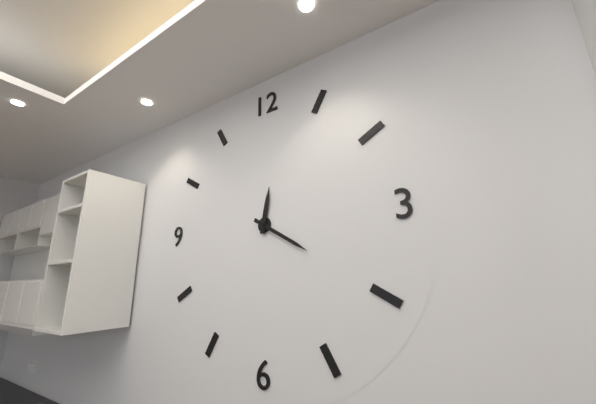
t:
12:20
